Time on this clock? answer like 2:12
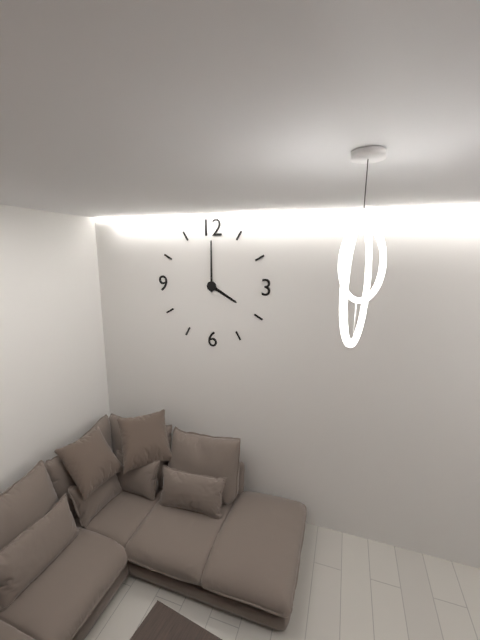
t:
4:00
